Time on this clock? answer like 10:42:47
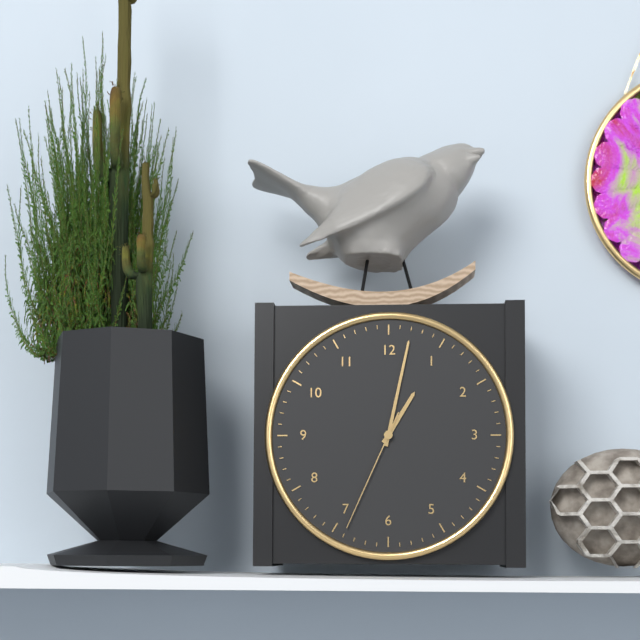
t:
1:02:34
